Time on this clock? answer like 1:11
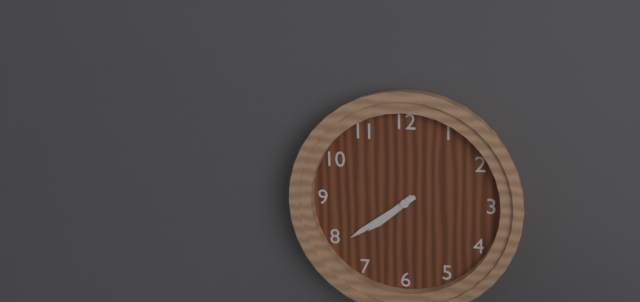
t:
7:39
